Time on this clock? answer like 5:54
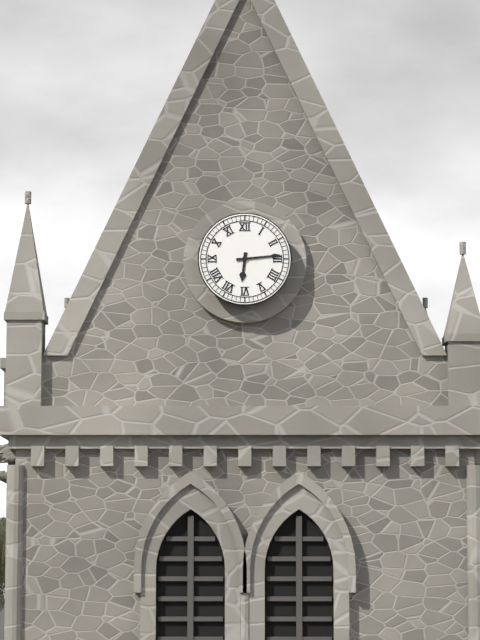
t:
6:14
